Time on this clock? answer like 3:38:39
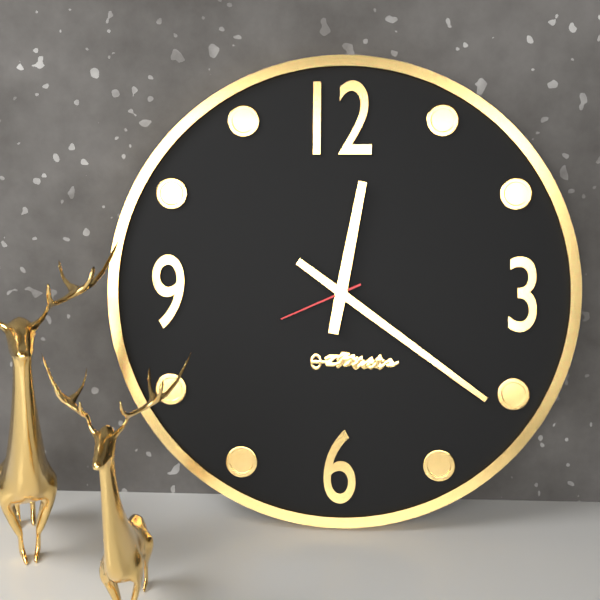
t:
12:21:41
